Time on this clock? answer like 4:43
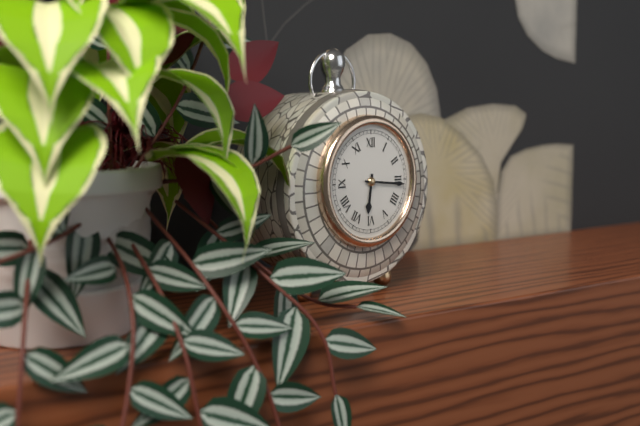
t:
6:16
